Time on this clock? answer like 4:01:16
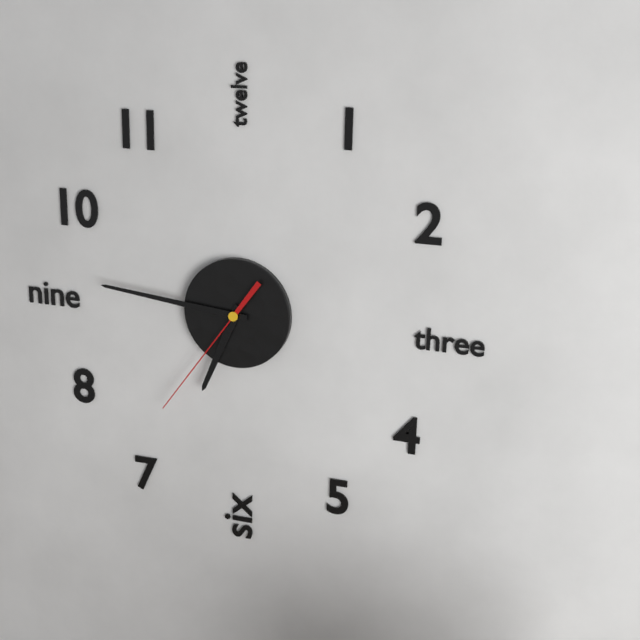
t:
6:46:36
